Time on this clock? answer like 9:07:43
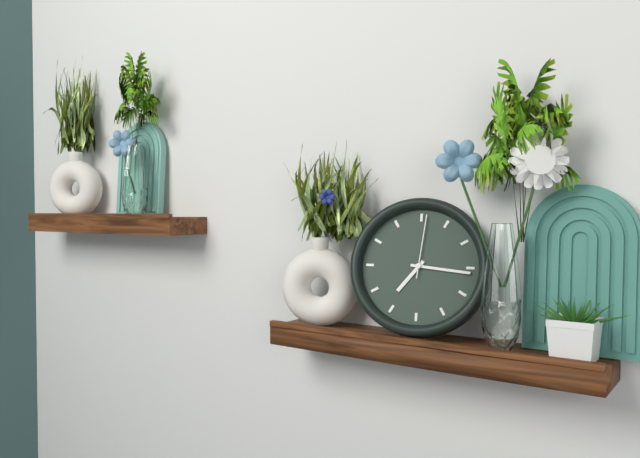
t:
7:16:01
